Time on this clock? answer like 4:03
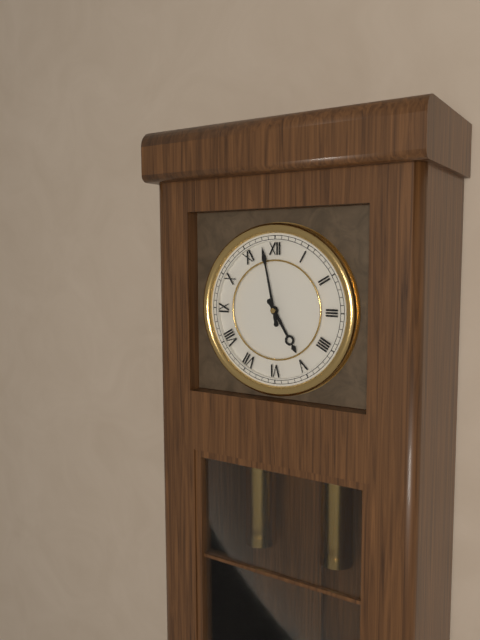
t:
4:58
